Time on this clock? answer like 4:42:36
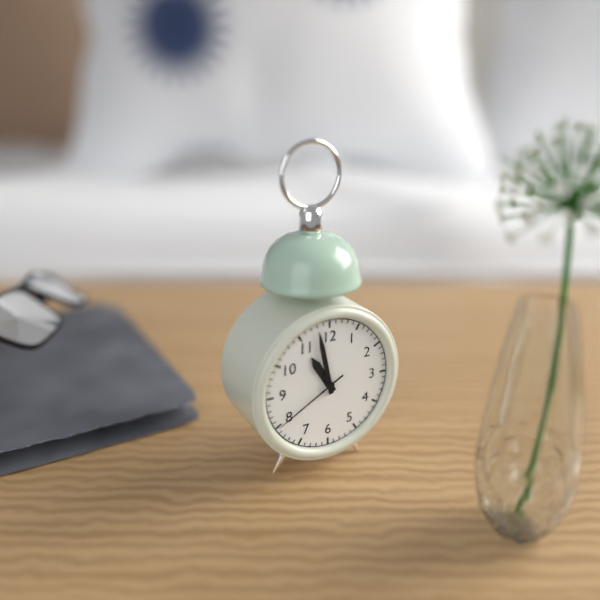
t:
10:58:40
